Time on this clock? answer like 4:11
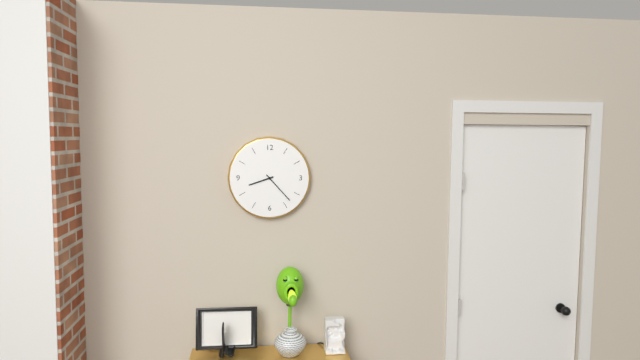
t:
8:23
